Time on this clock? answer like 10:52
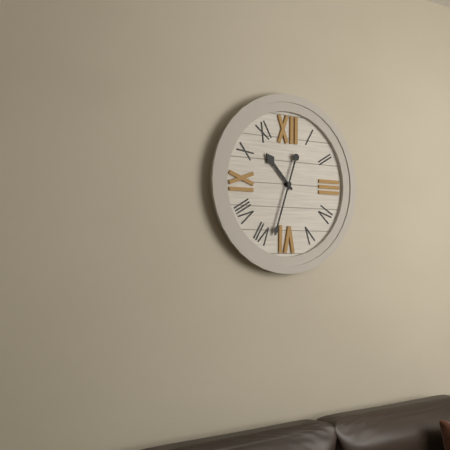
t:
10:33
